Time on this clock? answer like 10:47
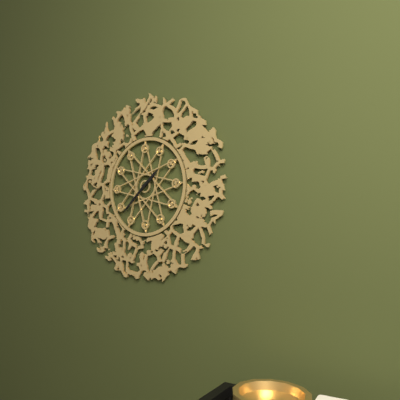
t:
1:38
